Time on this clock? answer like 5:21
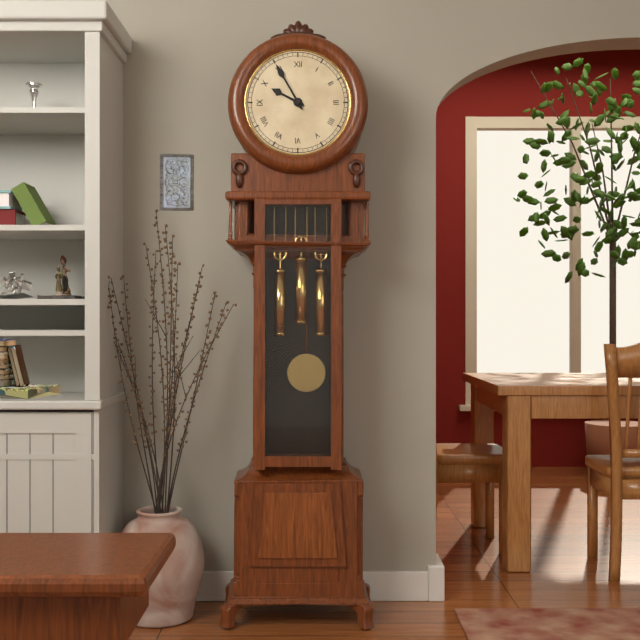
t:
9:55
